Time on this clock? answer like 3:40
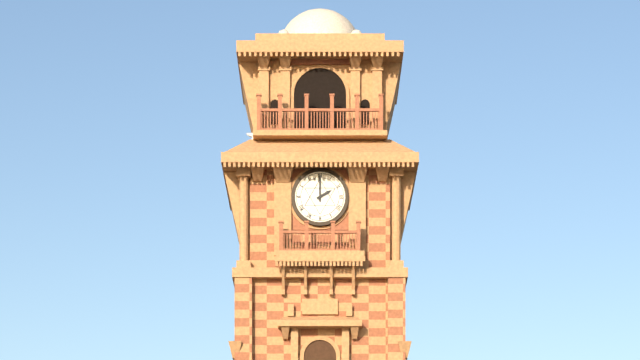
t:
2:00
